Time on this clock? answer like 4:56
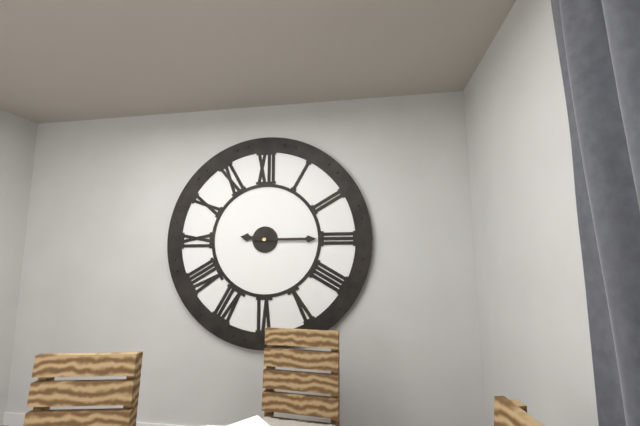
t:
9:15
